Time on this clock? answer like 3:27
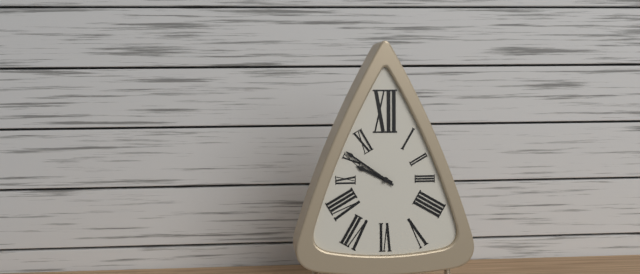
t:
9:51
